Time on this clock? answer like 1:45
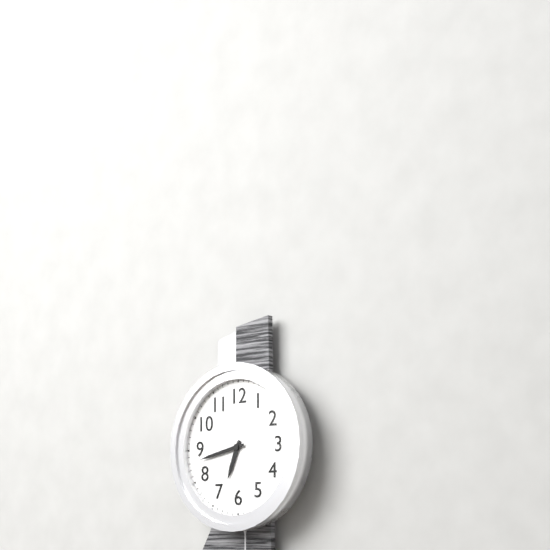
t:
6:43
